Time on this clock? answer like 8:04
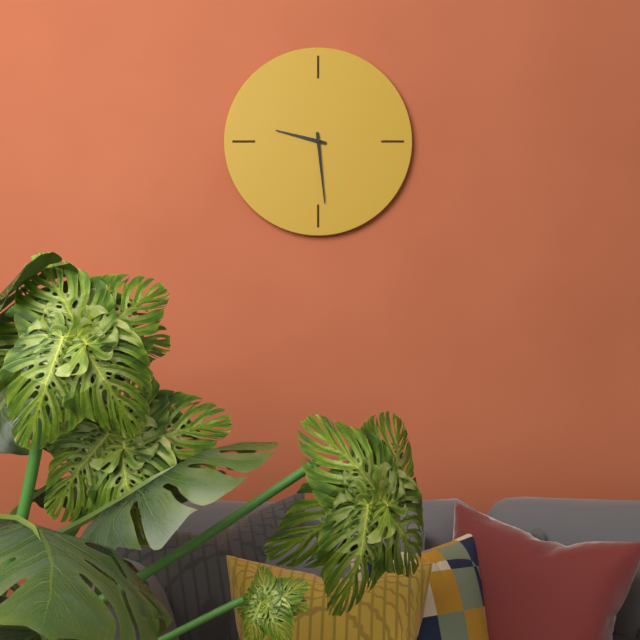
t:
9:29
